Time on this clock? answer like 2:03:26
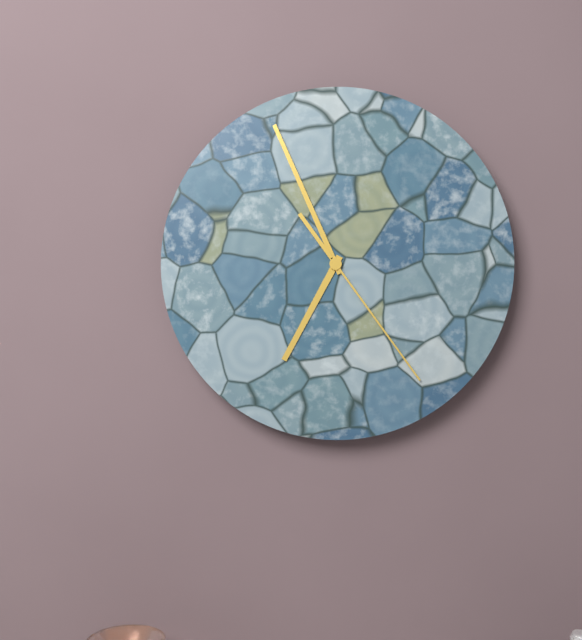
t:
6:56:24
